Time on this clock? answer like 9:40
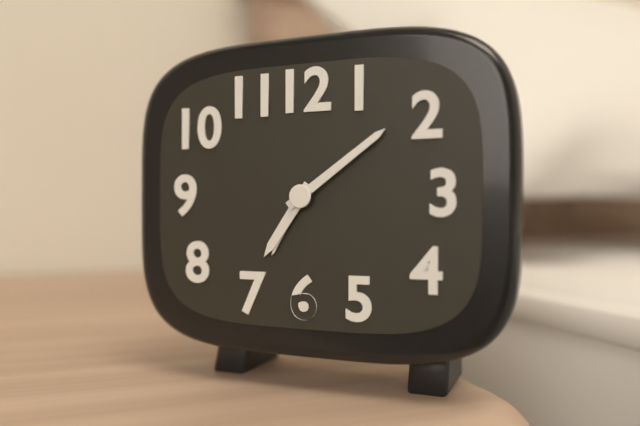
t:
7:09
